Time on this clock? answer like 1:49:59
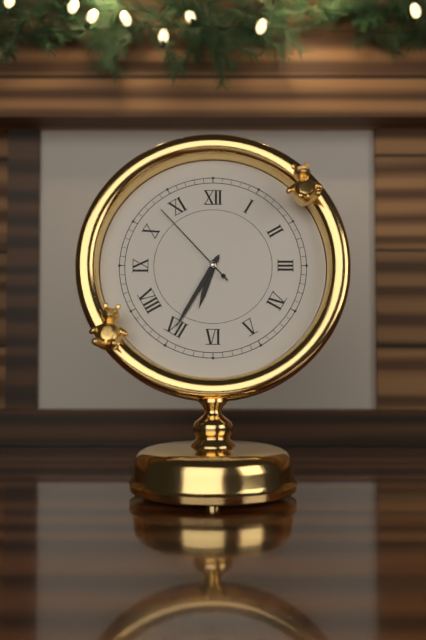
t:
6:35:53
